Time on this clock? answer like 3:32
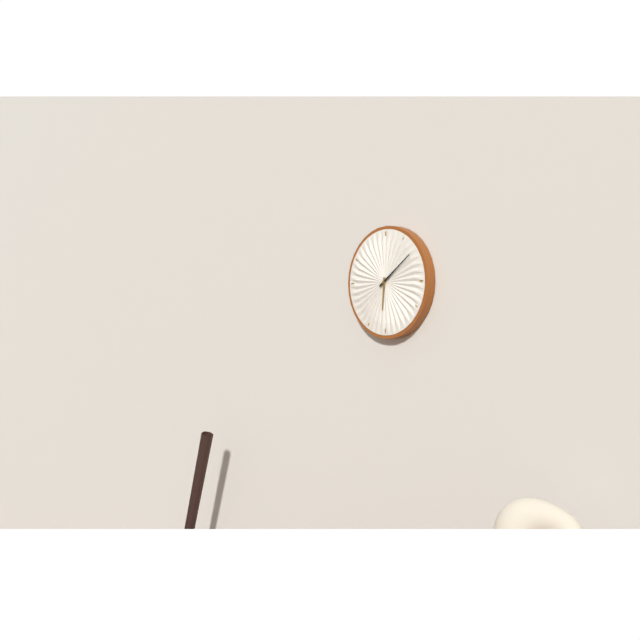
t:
6:09
